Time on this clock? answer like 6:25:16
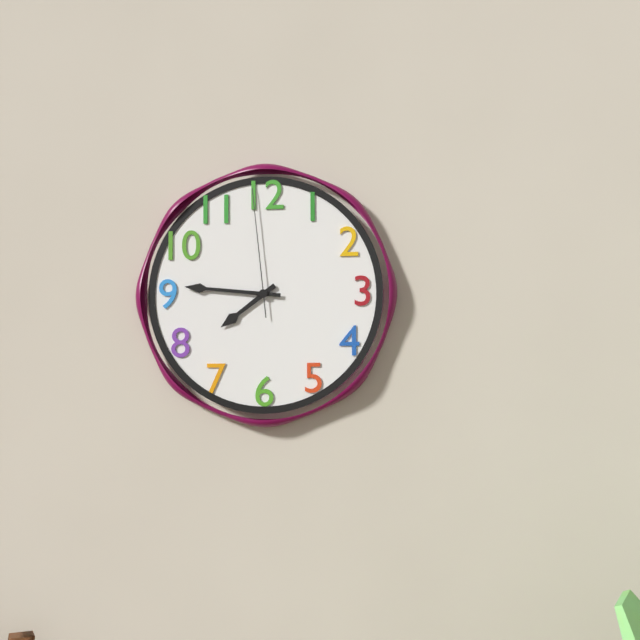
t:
7:46:59
